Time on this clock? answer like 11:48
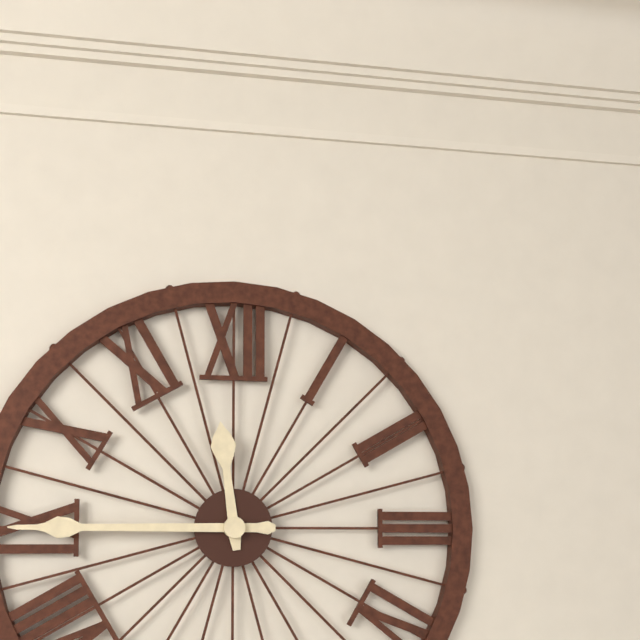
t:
11:45
